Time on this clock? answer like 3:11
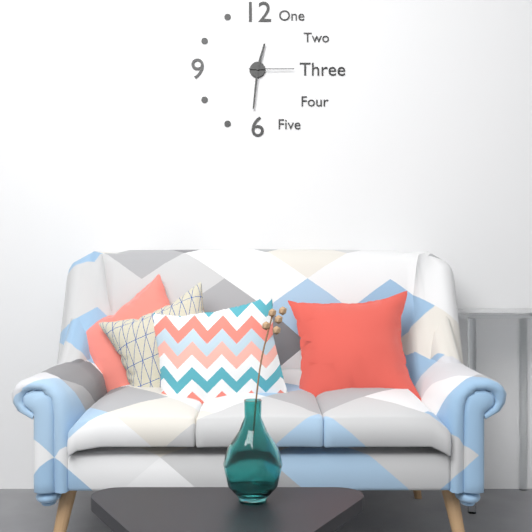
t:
12:31
